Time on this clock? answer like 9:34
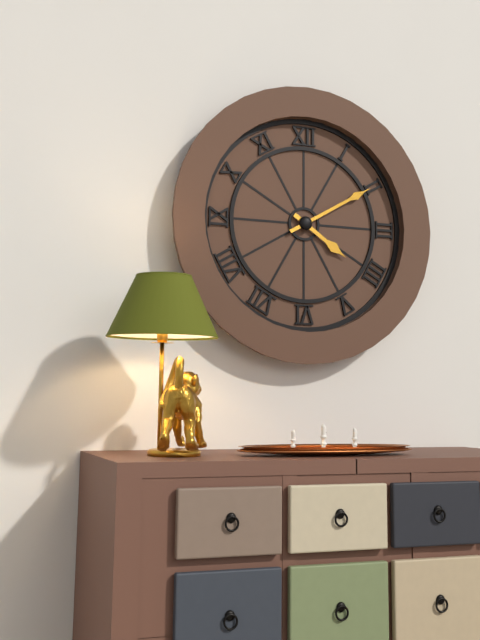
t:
4:10
